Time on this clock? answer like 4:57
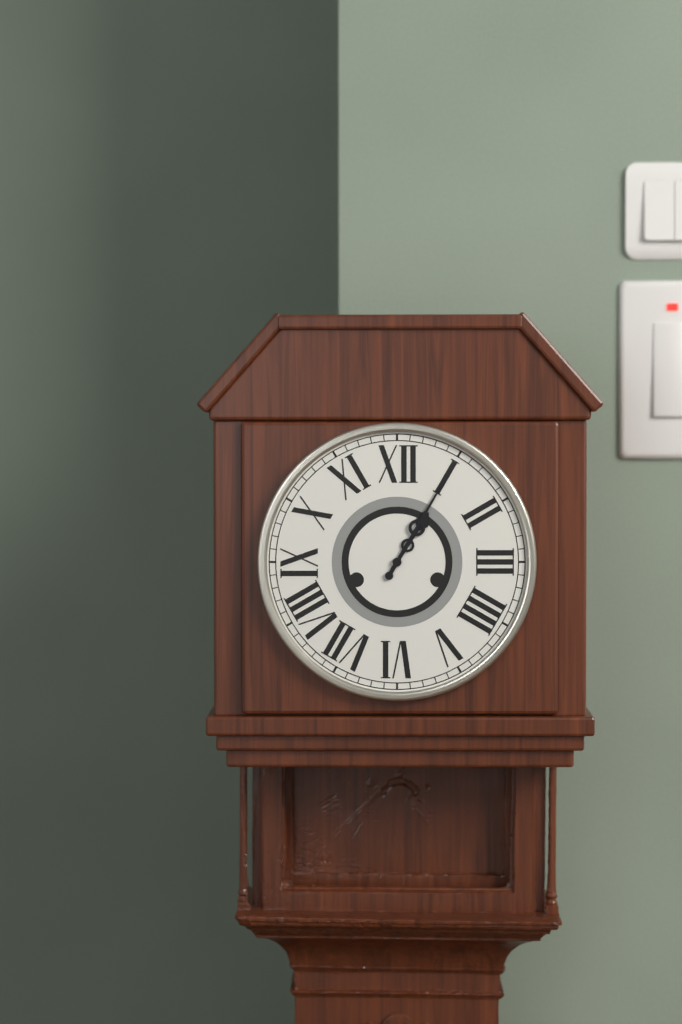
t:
1:05
